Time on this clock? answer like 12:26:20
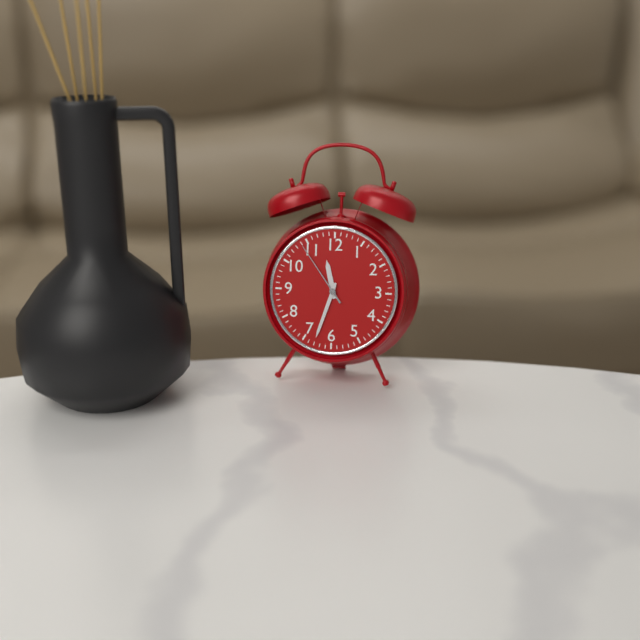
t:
11:33:54
